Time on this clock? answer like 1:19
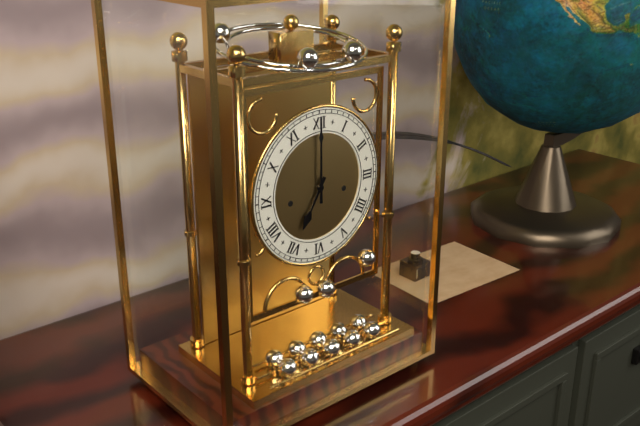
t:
7:00
